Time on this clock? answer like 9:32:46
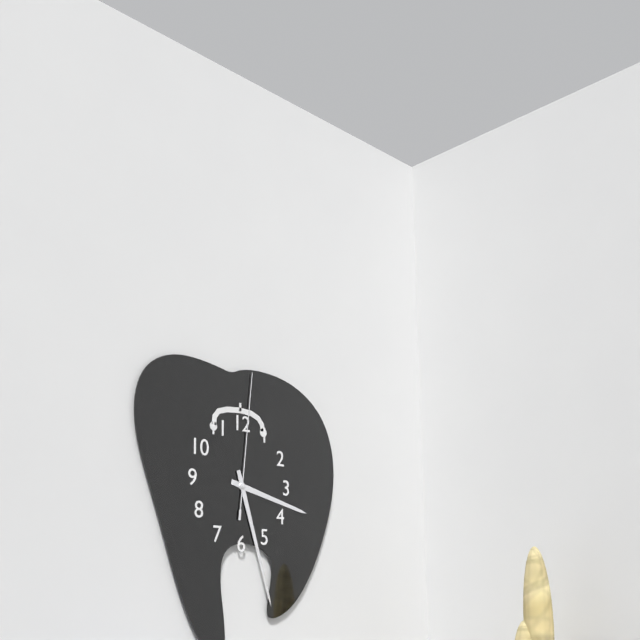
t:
3:27:01
